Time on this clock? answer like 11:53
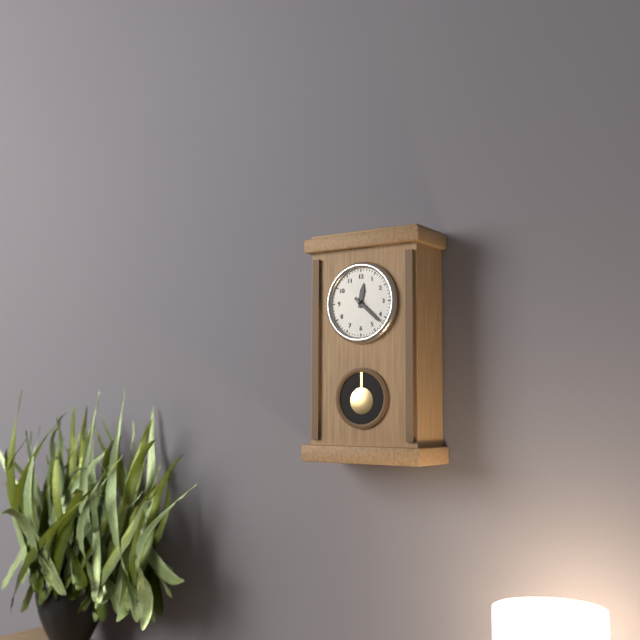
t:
12:22
